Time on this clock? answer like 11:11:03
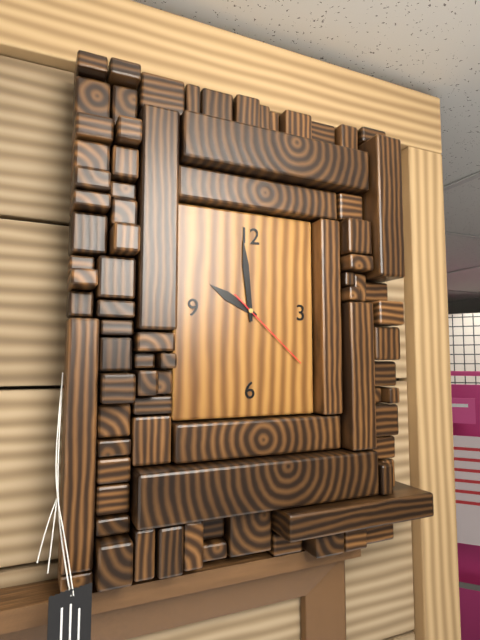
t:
9:59:22
